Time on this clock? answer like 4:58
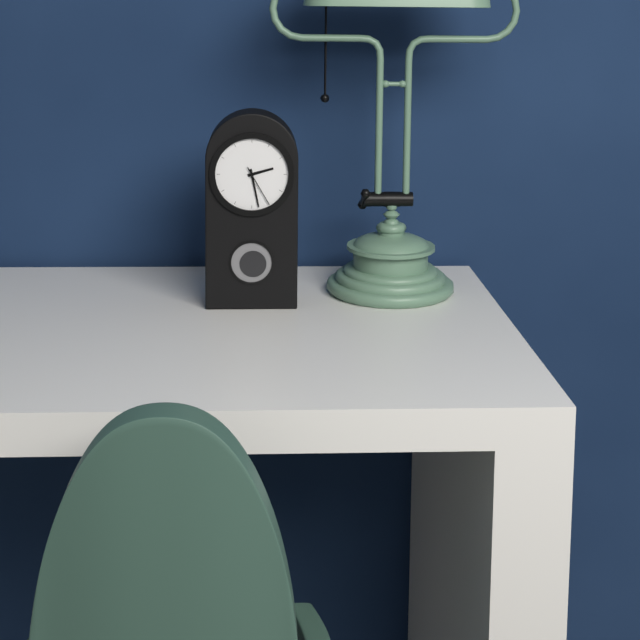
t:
2:28
